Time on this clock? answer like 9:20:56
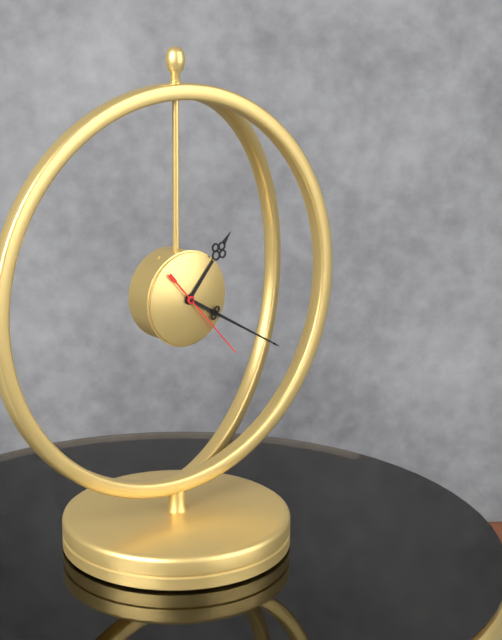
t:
1:20:23
